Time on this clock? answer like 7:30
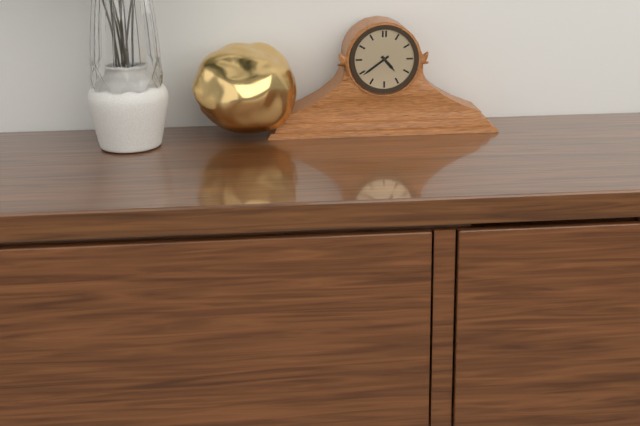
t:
4:39
